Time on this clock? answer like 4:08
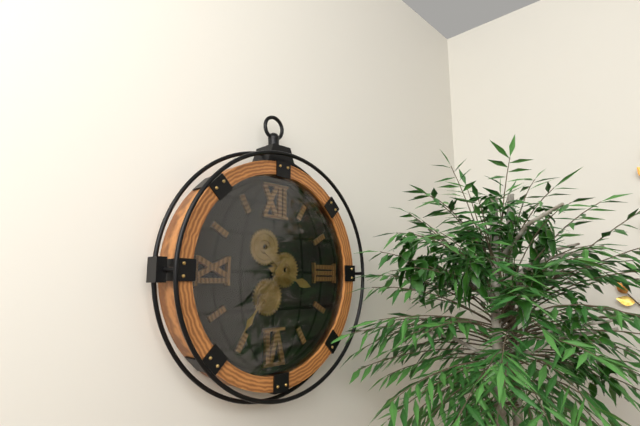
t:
3:36
